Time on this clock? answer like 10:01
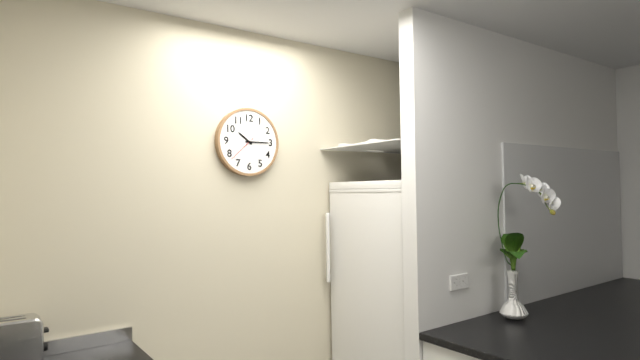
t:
10:15
